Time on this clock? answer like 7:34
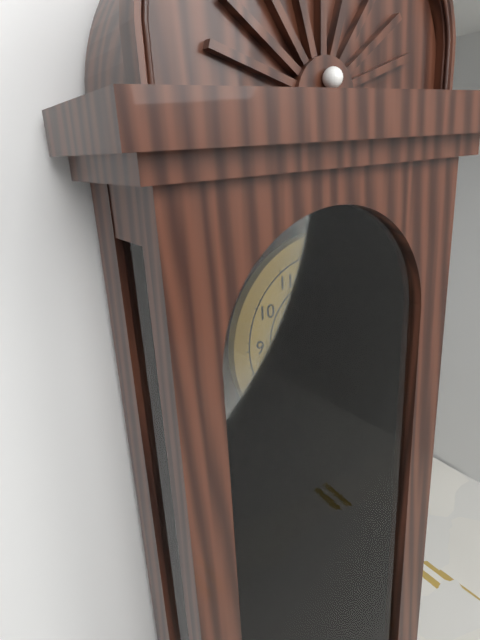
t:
6:00
